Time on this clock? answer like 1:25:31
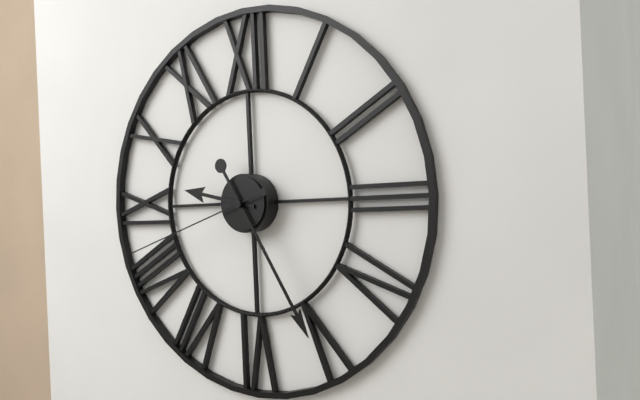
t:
9:25:42
